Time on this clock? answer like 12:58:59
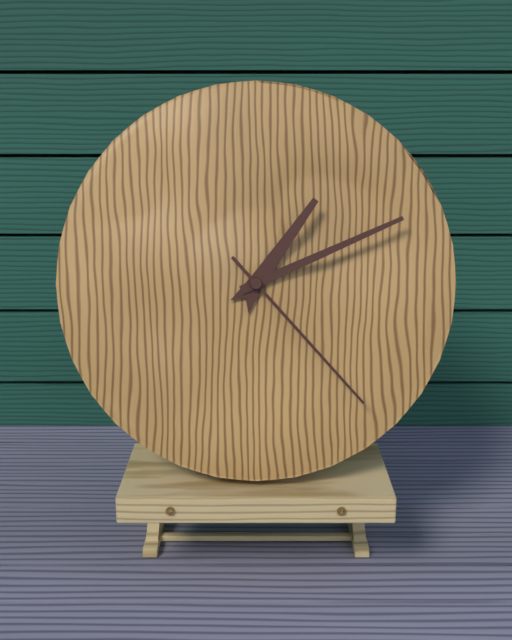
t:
1:11:23
